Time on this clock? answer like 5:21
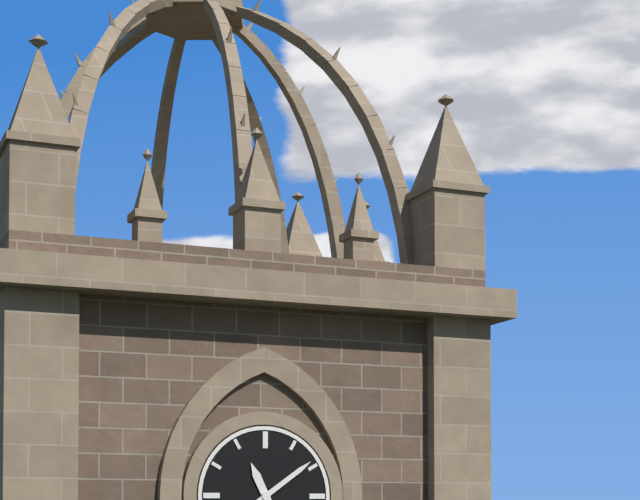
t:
11:09
